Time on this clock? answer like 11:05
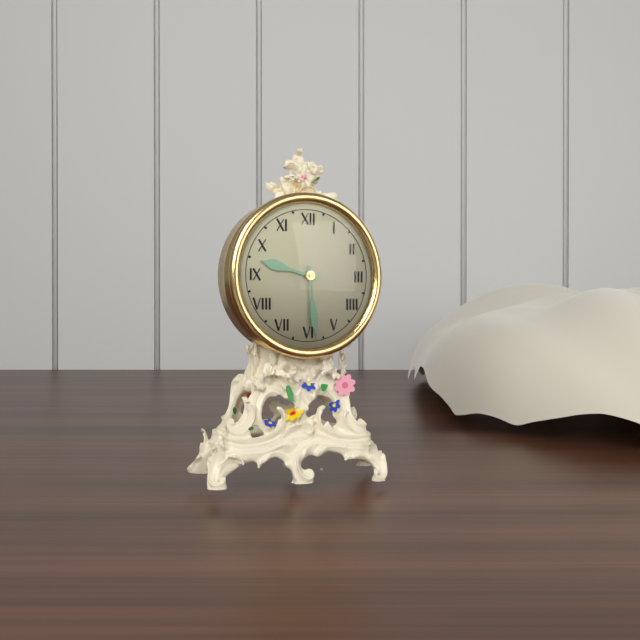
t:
9:29
